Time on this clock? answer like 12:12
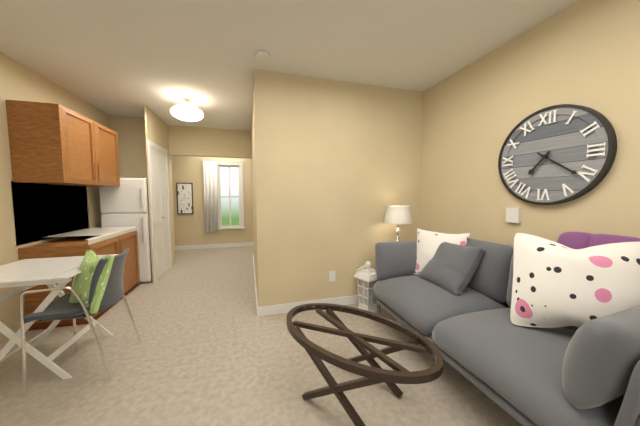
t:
7:21
